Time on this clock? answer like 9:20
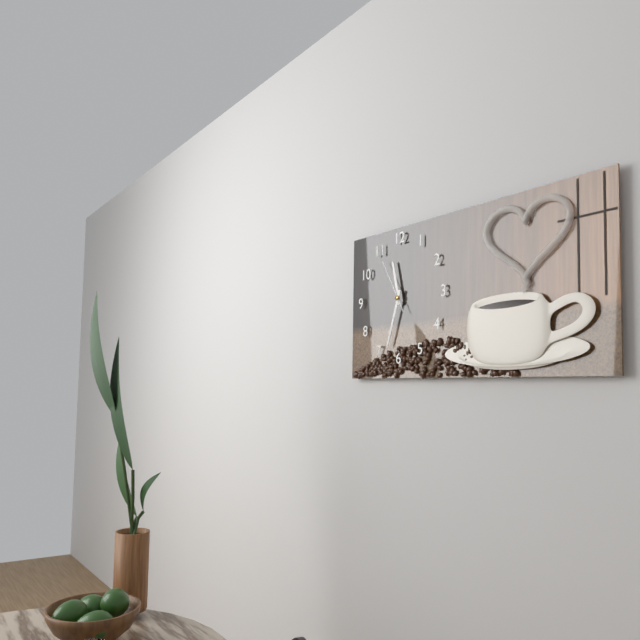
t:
11:33
